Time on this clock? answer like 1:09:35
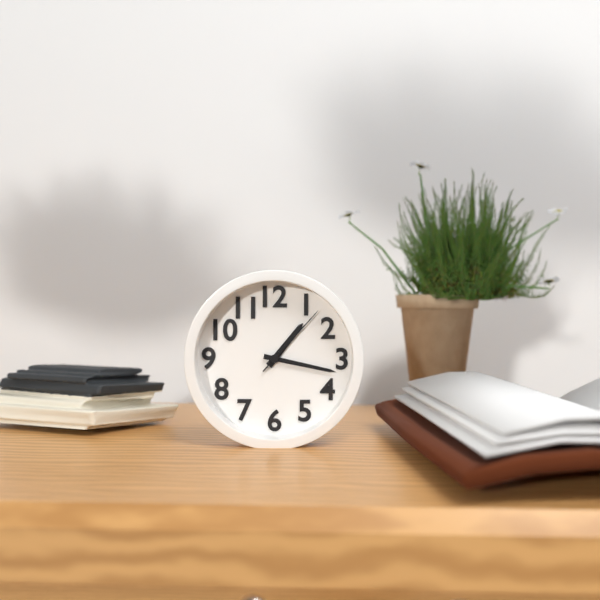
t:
1:17:07
